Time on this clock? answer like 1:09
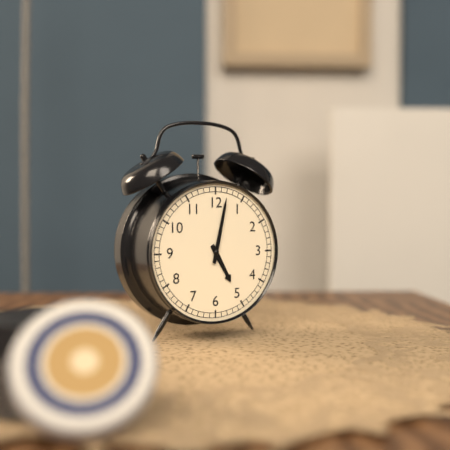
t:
5:02
